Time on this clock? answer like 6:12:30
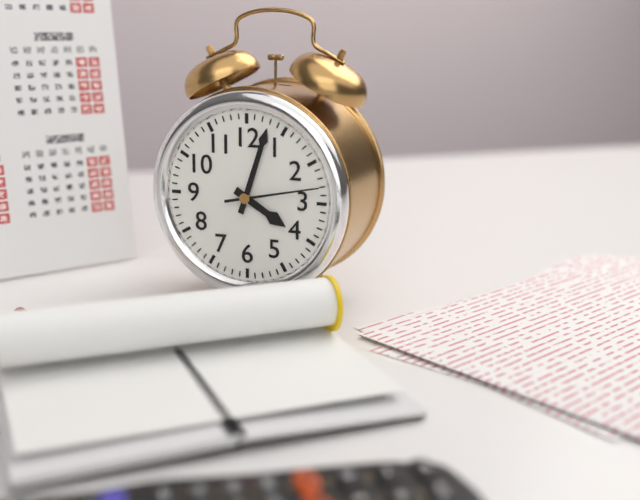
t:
4:03:13
